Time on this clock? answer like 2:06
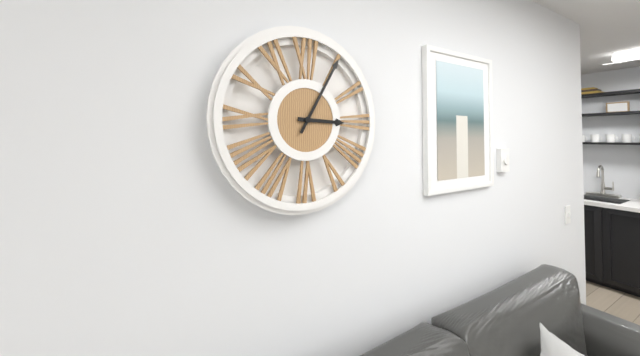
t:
3:05
